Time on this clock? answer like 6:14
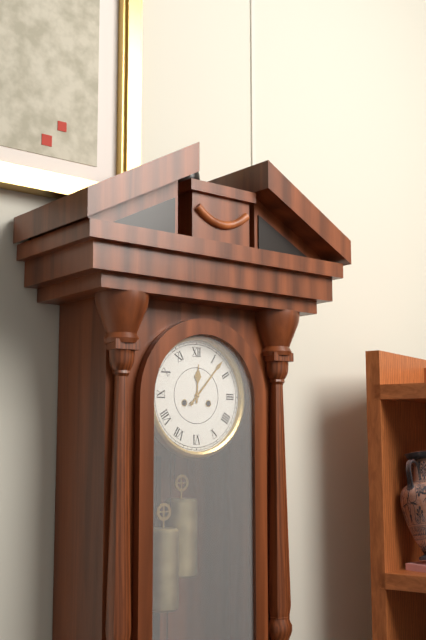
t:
12:07
